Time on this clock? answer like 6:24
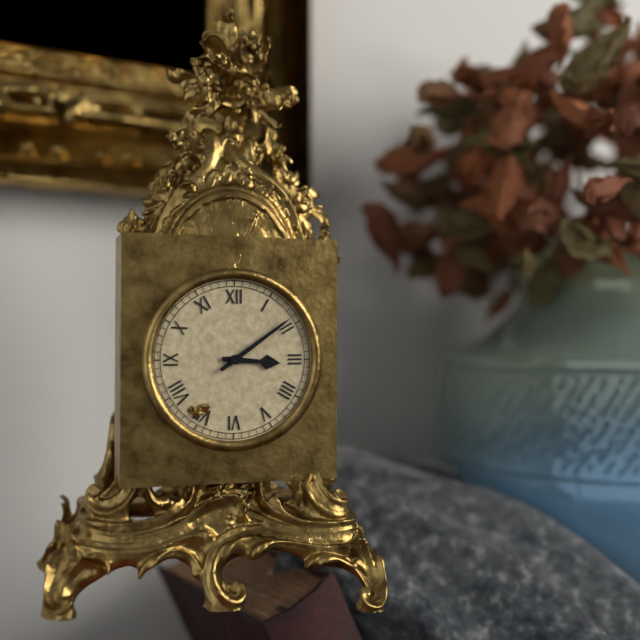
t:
3:09
